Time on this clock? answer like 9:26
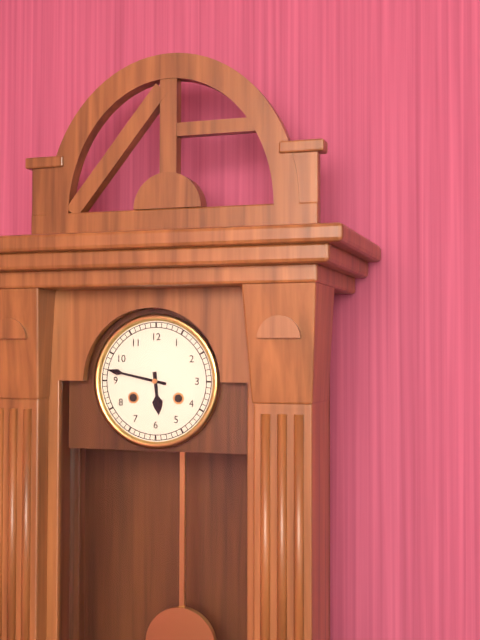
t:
5:47
